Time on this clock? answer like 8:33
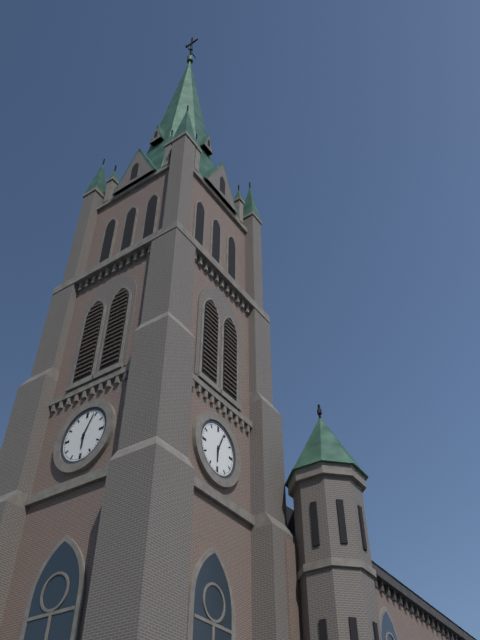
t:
6:04
